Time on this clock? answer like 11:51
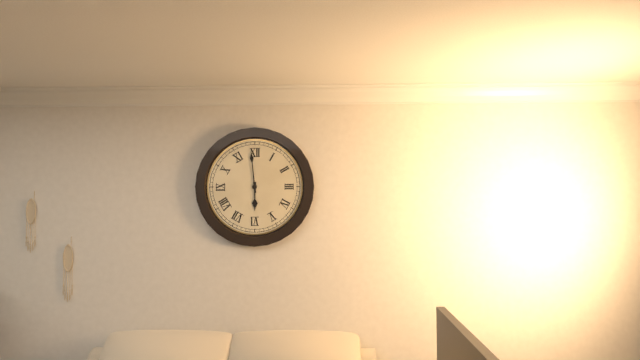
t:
5:59
